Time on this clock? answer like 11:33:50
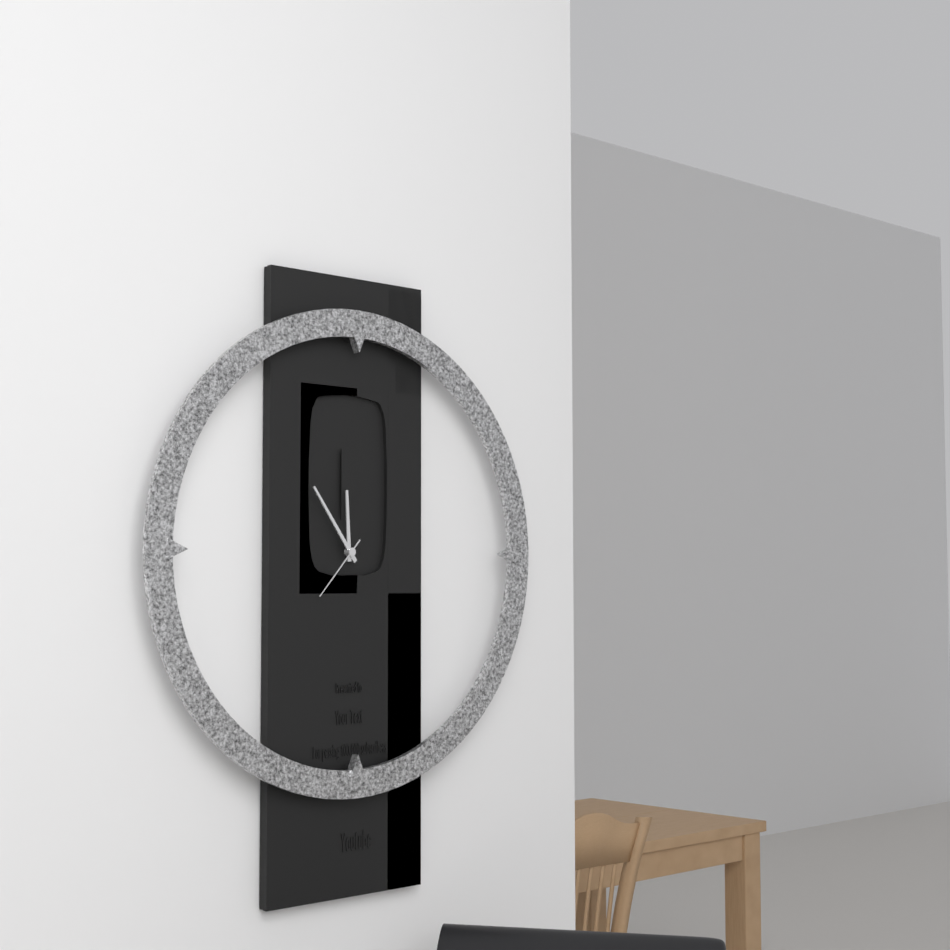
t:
11:54:37
